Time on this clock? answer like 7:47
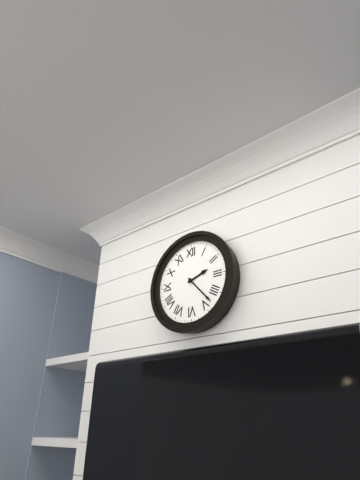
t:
2:23
